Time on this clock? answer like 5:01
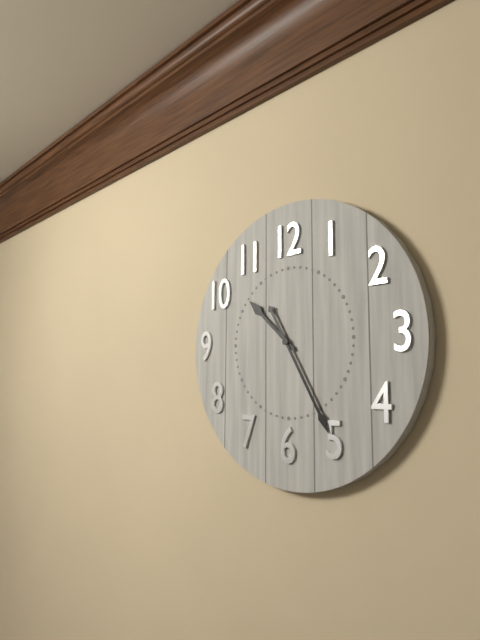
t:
10:25
